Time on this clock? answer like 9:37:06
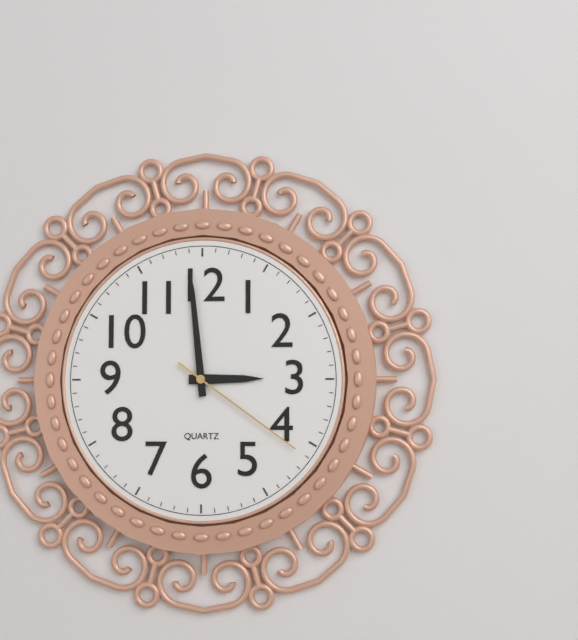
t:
2:59:21
